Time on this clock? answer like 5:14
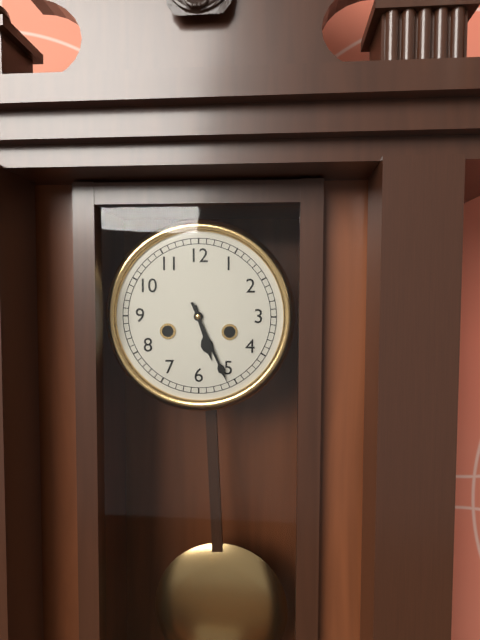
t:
5:26
